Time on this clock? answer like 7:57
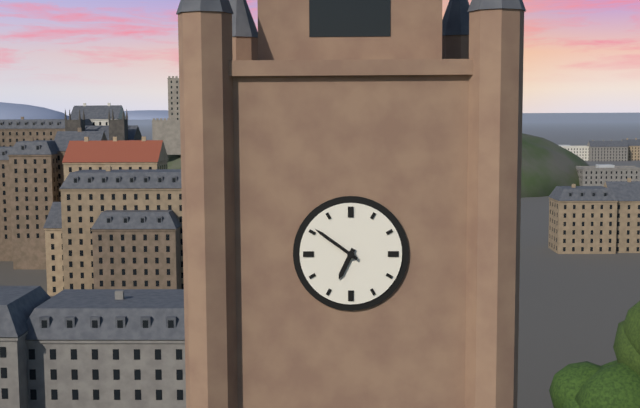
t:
6:51
